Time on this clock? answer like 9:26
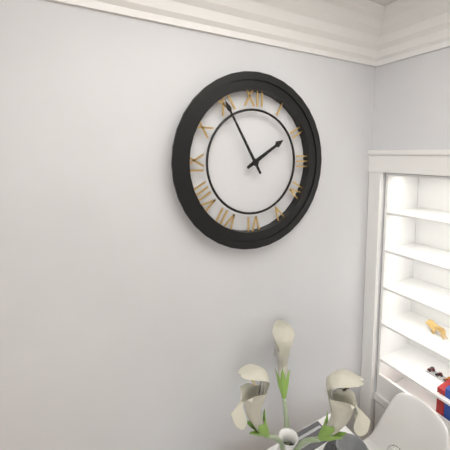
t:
1:55
